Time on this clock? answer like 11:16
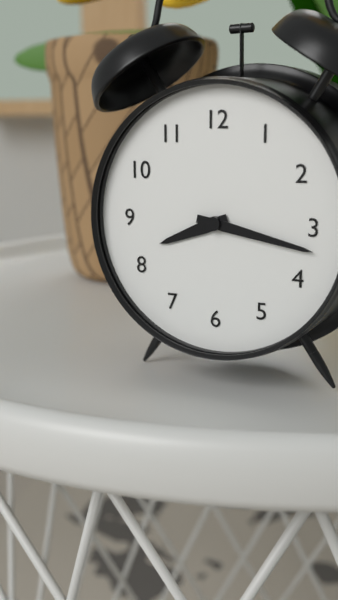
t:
8:17
